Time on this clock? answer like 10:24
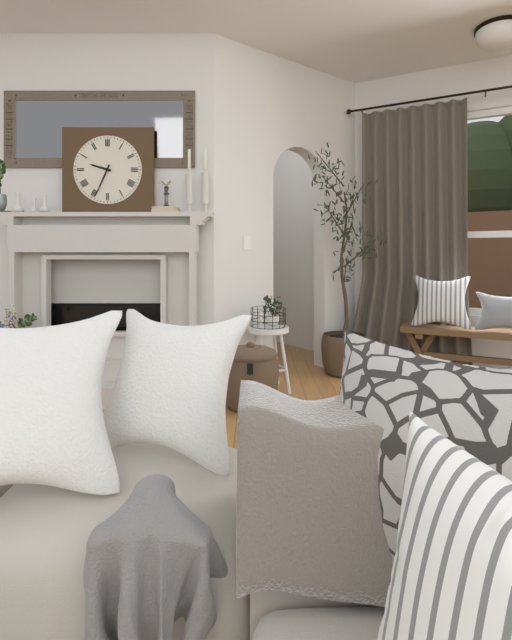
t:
9:34
